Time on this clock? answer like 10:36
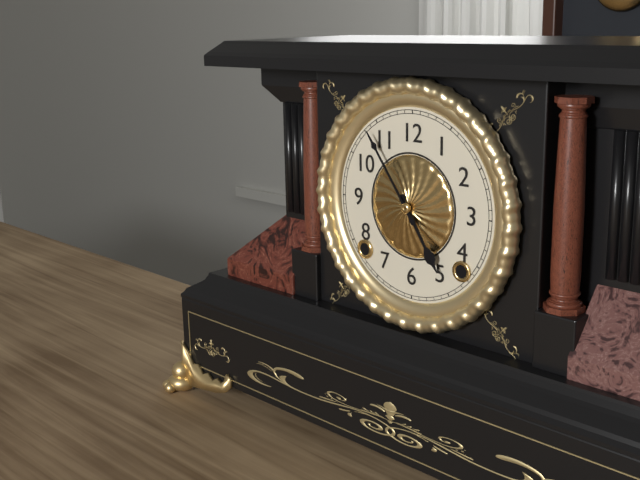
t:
4:54
